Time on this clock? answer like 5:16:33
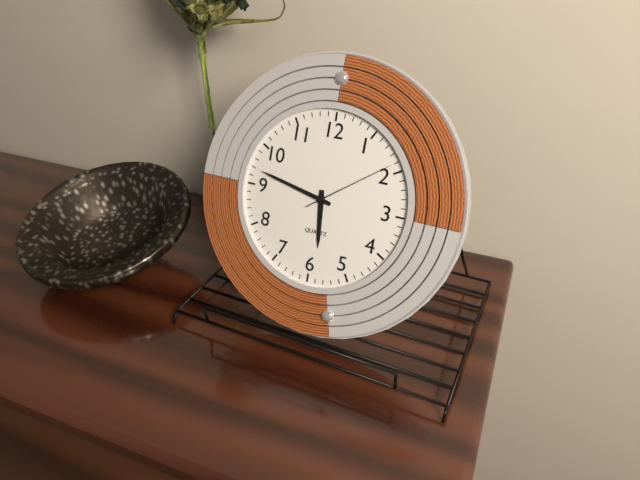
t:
5:47:09
